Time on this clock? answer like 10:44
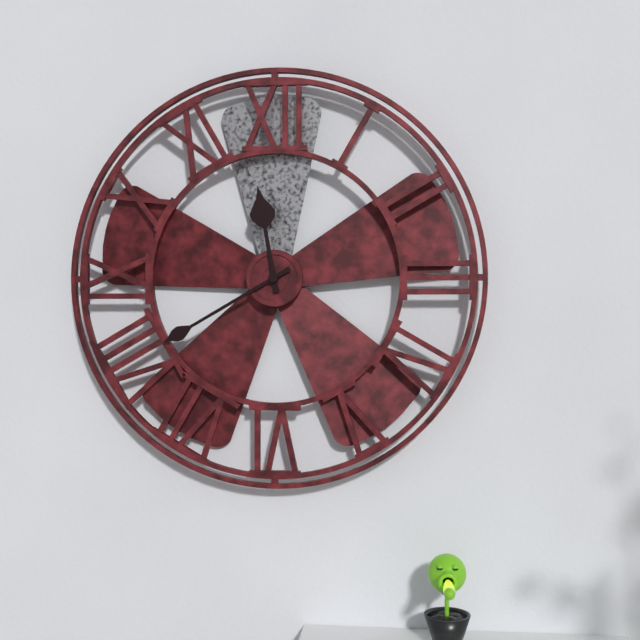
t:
11:40
